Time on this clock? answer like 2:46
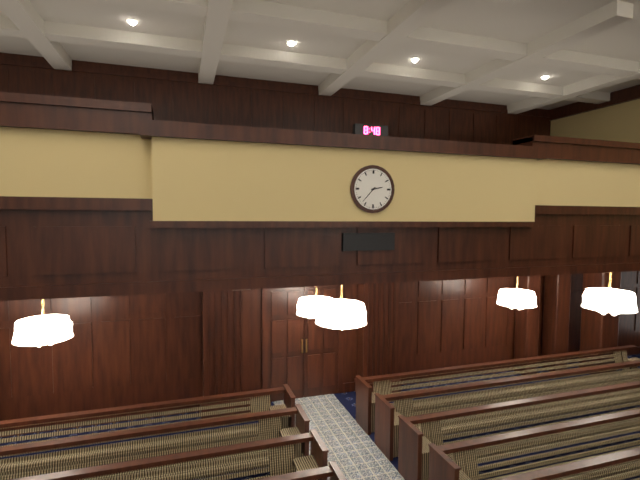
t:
2:37
